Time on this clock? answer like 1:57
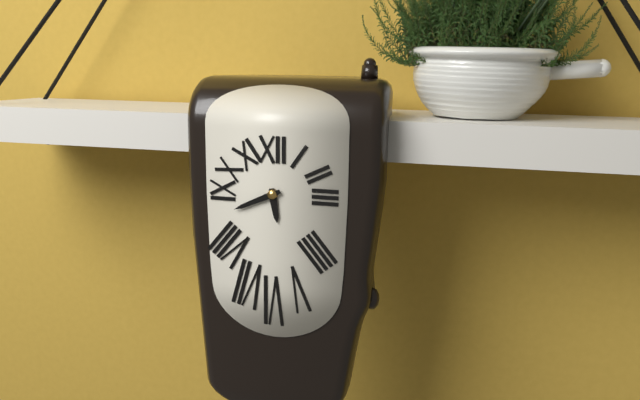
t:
5:41
